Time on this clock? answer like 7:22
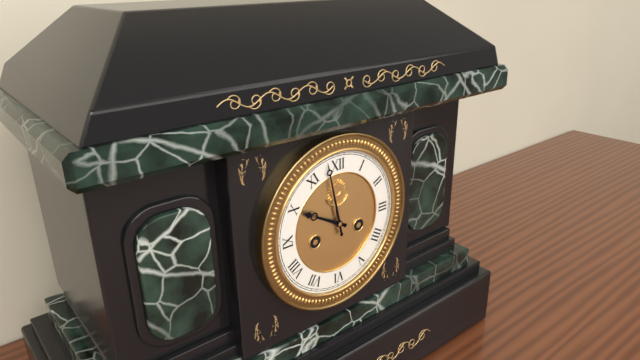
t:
9:58
